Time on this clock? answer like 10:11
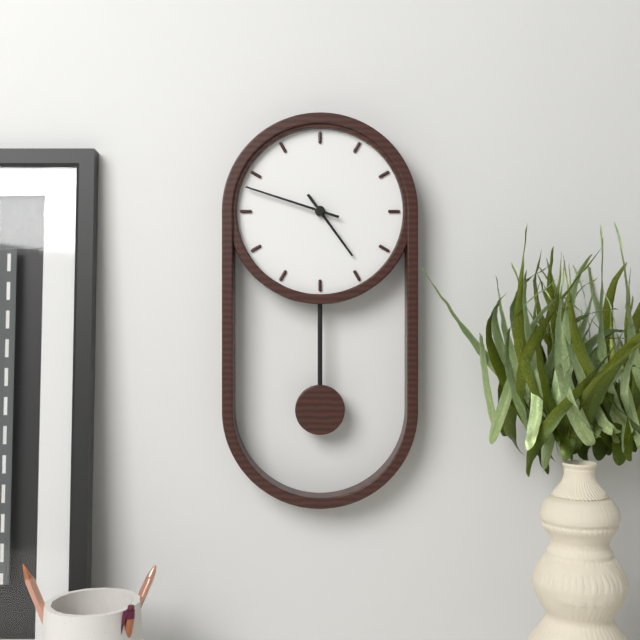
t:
4:48
